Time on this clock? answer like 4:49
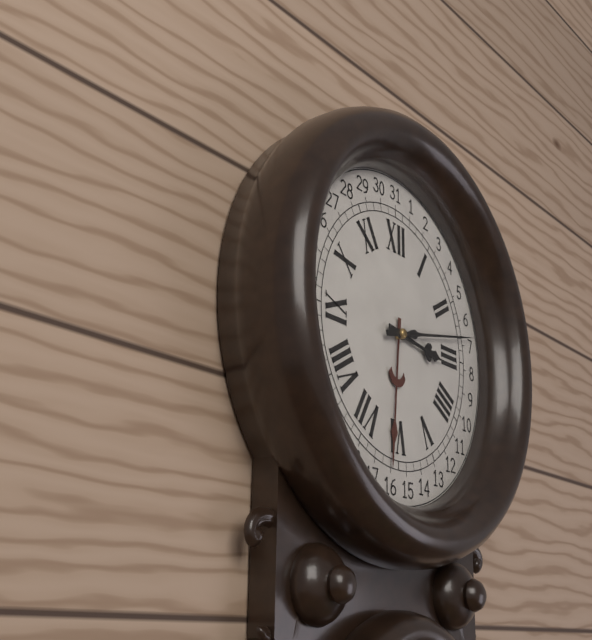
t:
3:13
